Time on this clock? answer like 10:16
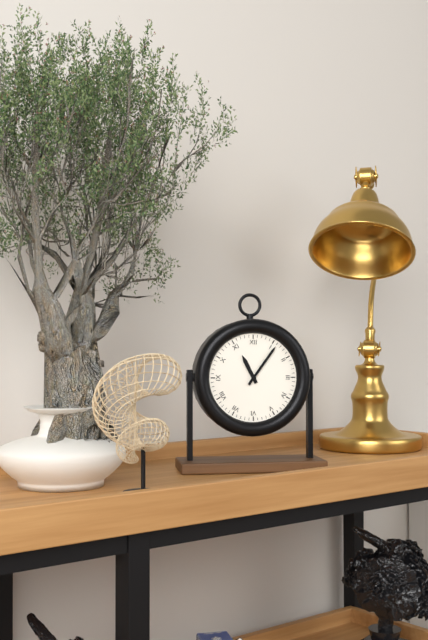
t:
11:06
